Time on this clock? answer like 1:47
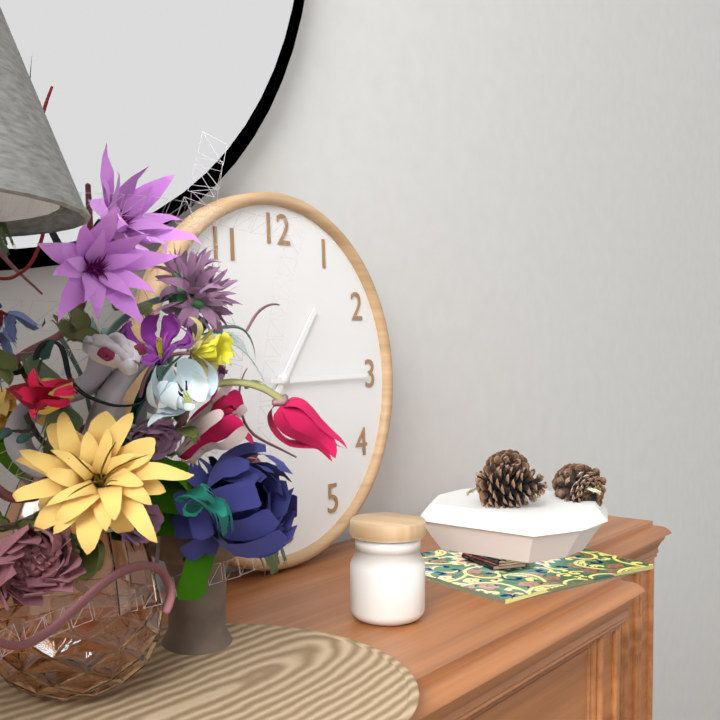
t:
1:15
